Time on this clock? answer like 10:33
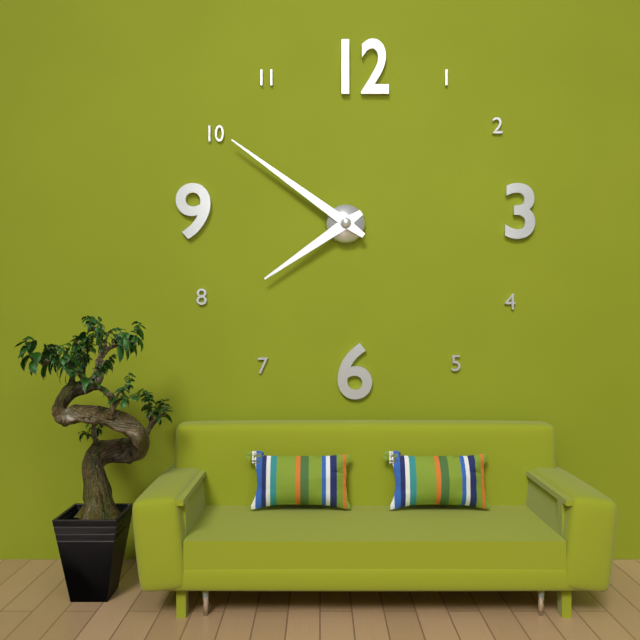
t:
7:51
